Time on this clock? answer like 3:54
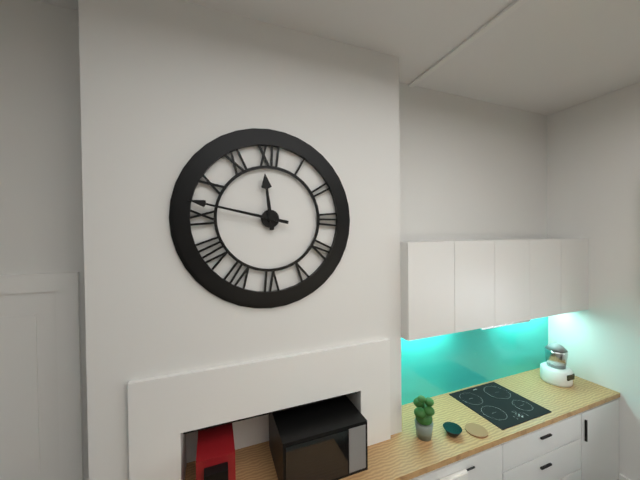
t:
11:47
